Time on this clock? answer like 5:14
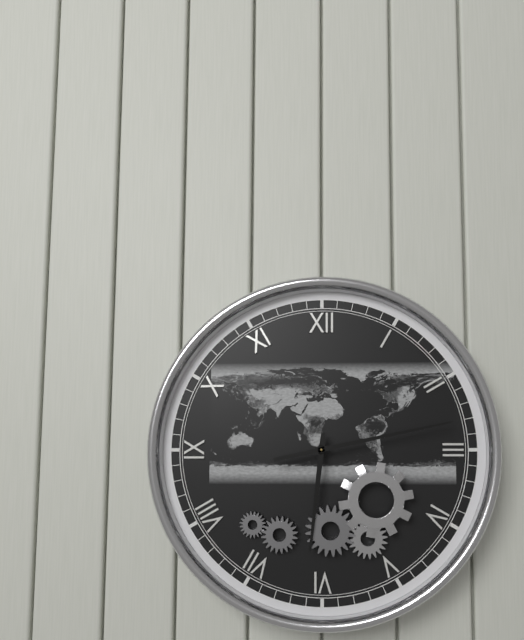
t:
6:13
